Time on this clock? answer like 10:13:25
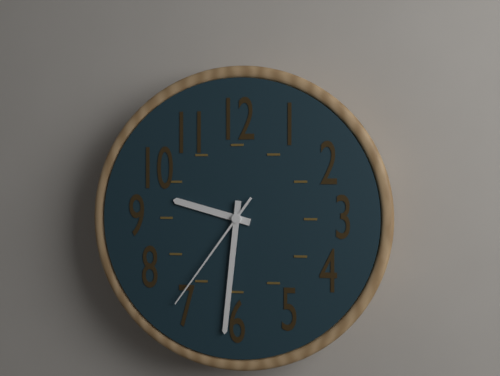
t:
9:31:36
